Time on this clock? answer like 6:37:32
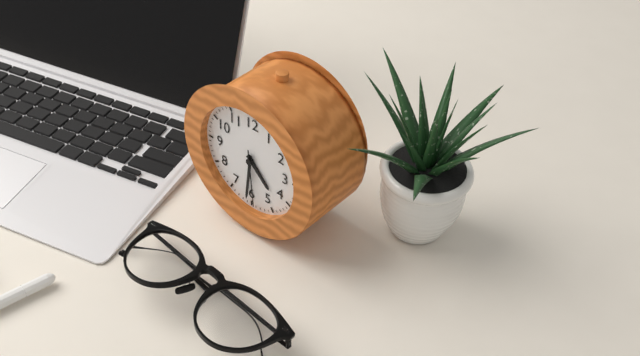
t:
4:31:29
